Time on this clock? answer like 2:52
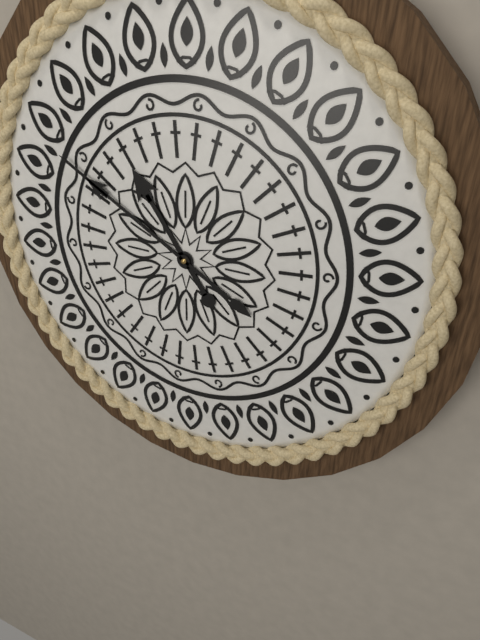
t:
10:50
